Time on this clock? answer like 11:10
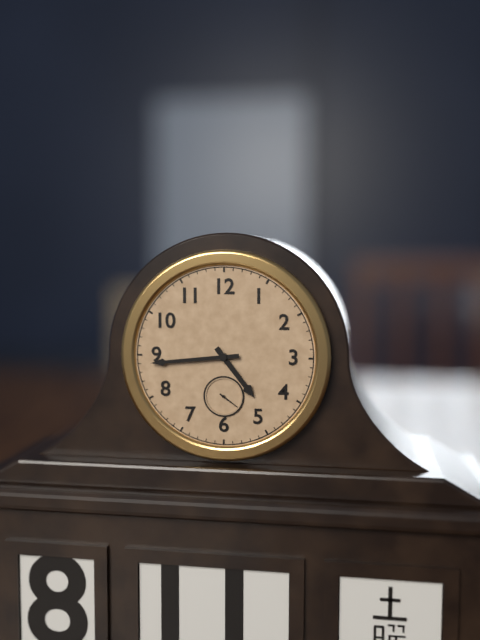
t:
4:44
